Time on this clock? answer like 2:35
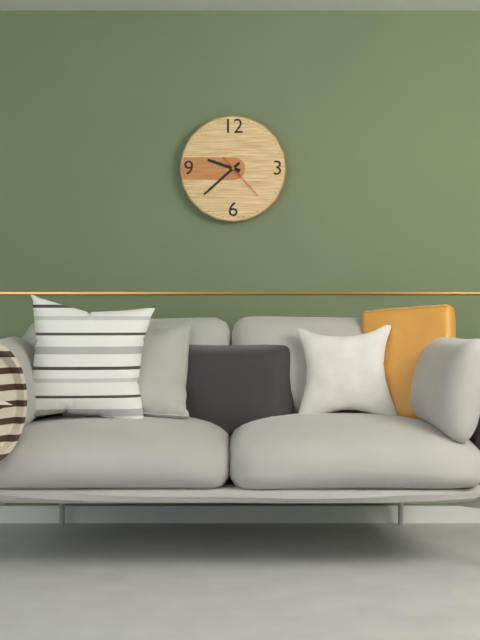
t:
9:38
